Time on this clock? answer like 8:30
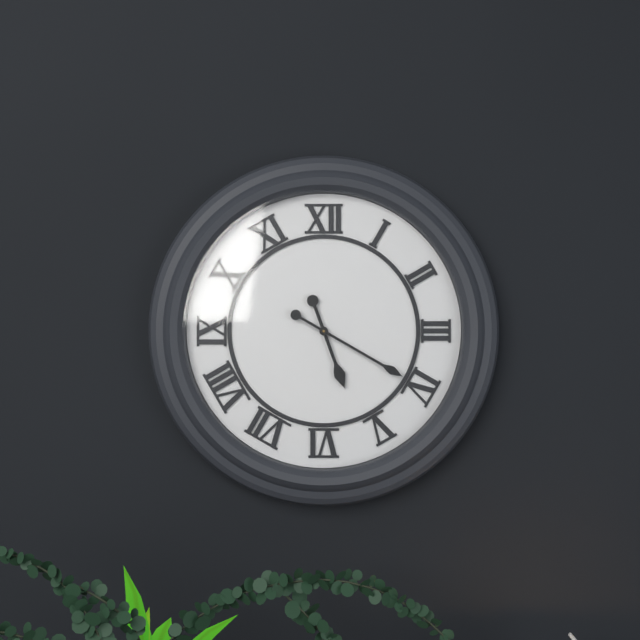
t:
5:20
